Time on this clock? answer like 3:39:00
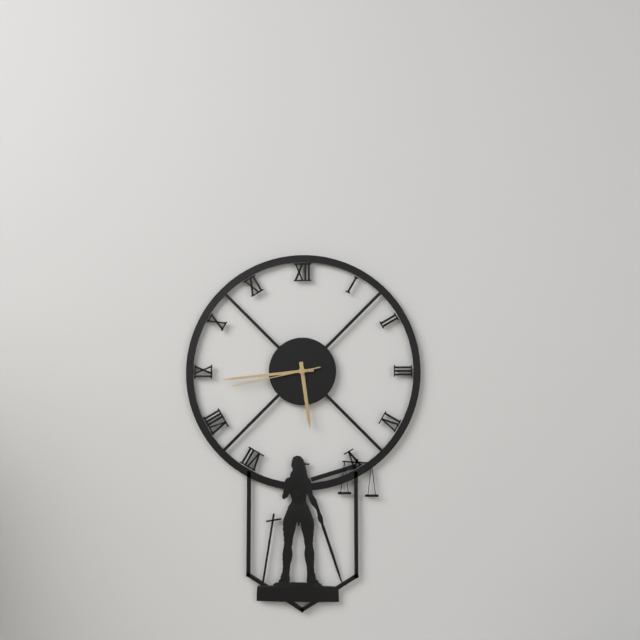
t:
5:44:43
